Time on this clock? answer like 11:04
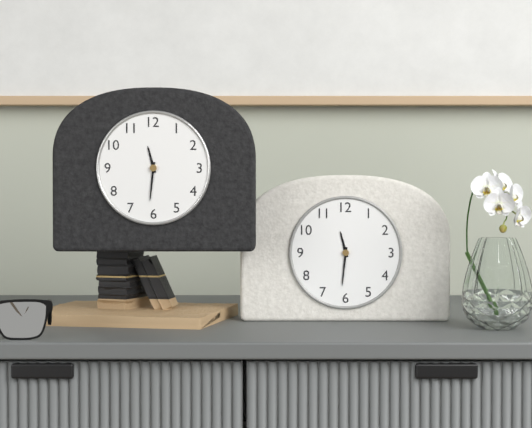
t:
11:31
